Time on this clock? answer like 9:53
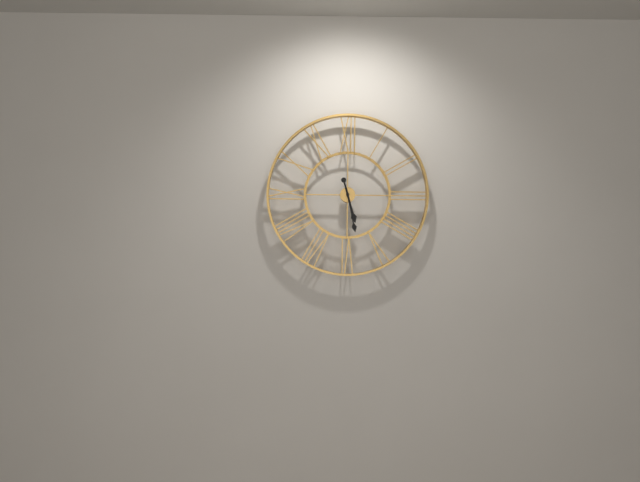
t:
5:28
